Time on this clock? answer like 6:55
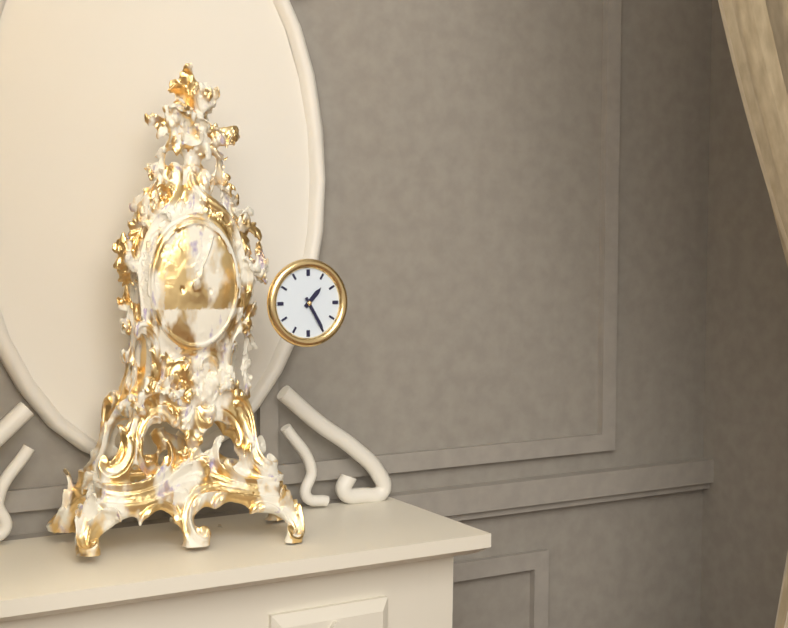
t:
1:25
